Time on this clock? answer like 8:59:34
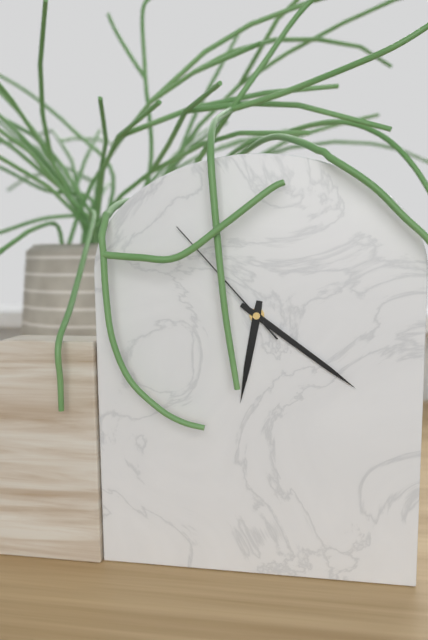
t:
6:21:53
